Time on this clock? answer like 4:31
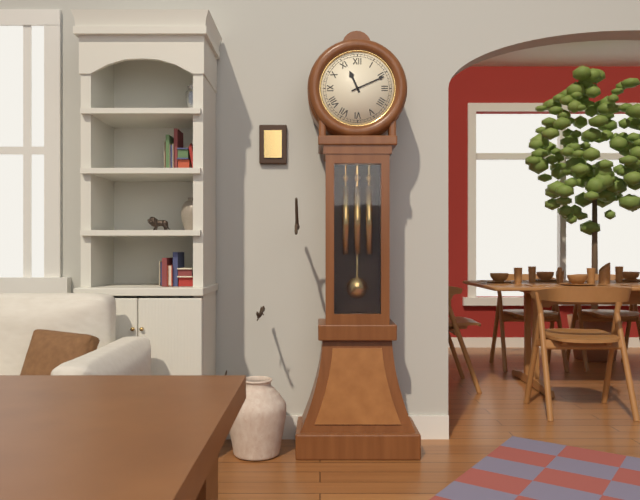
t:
11:11
